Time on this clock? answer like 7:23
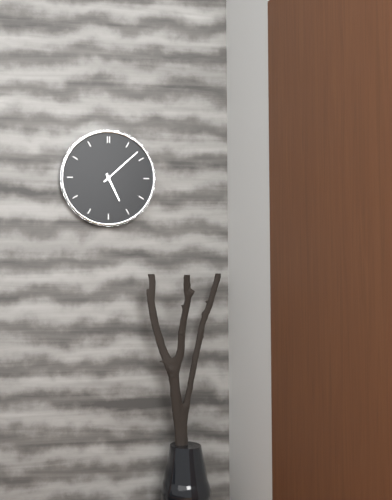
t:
5:08
